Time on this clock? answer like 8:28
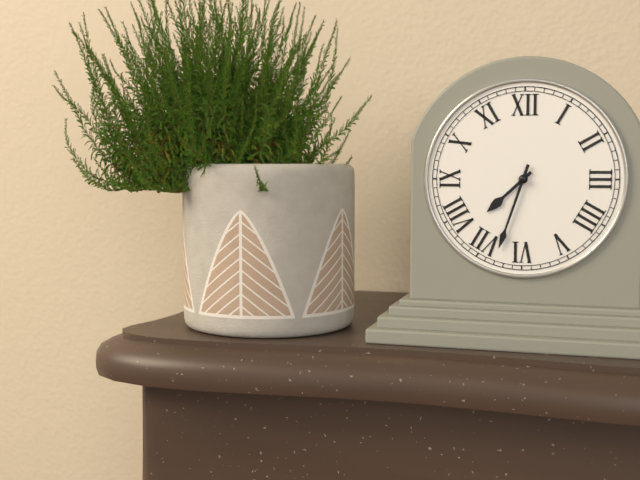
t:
7:33
